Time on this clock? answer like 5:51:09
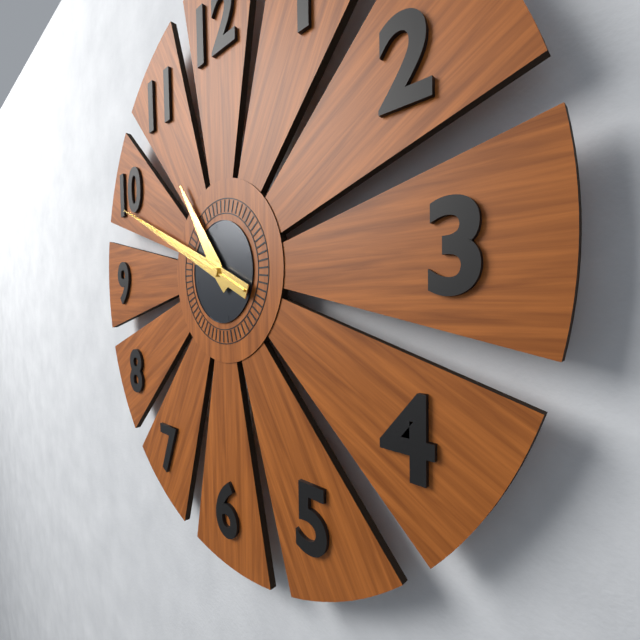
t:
10:49:49
